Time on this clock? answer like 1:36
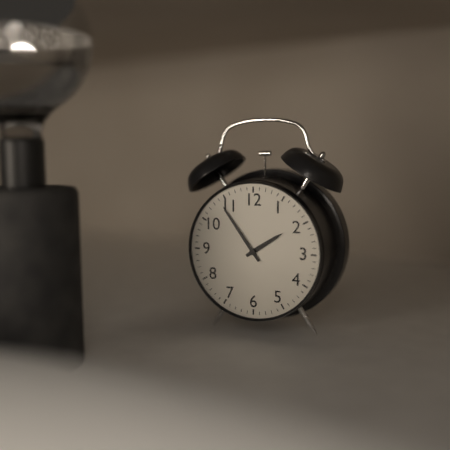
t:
1:54
